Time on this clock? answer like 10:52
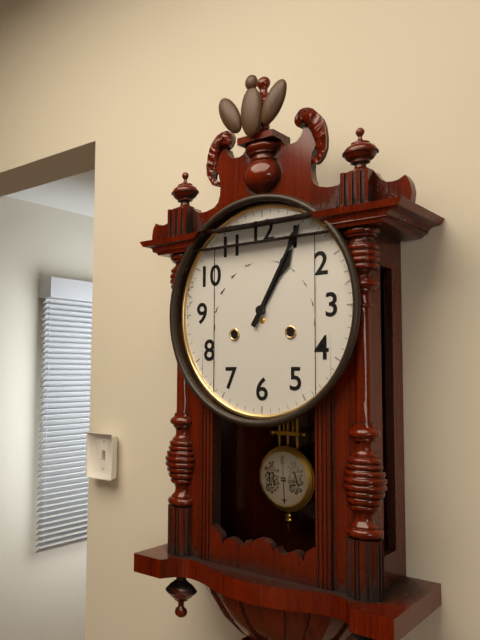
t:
1:05
